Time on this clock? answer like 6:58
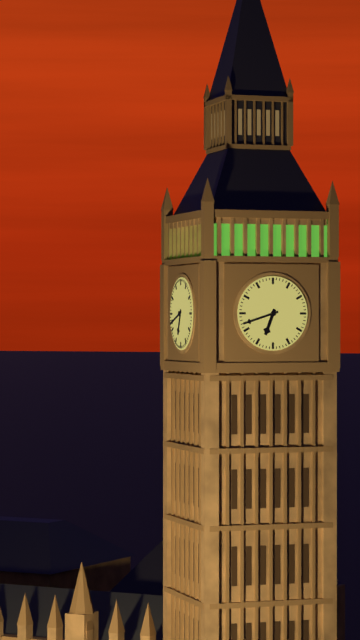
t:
6:42
